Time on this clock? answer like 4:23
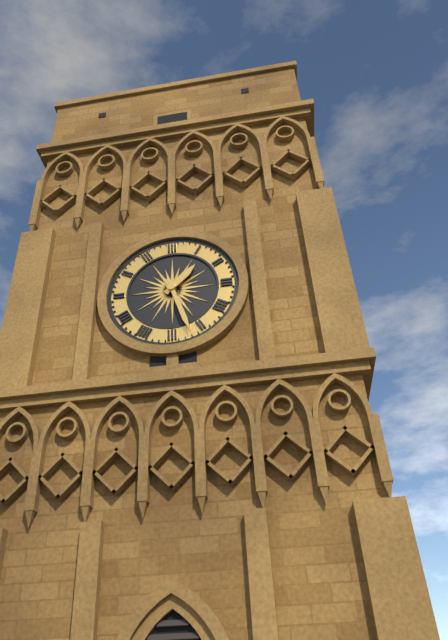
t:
1:27
